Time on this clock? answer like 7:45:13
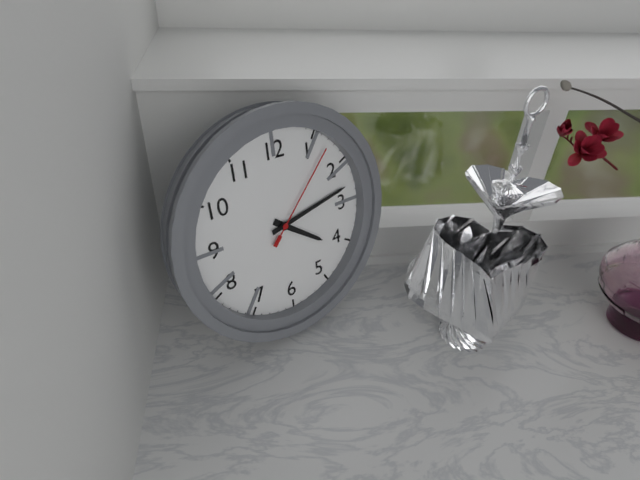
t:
4:13:07
